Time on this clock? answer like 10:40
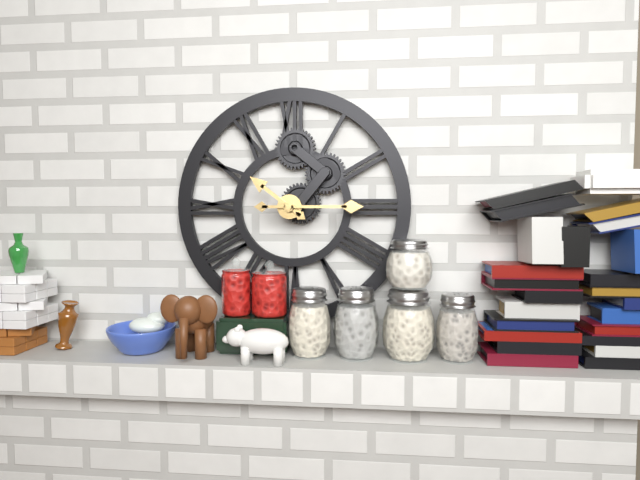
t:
10:15
